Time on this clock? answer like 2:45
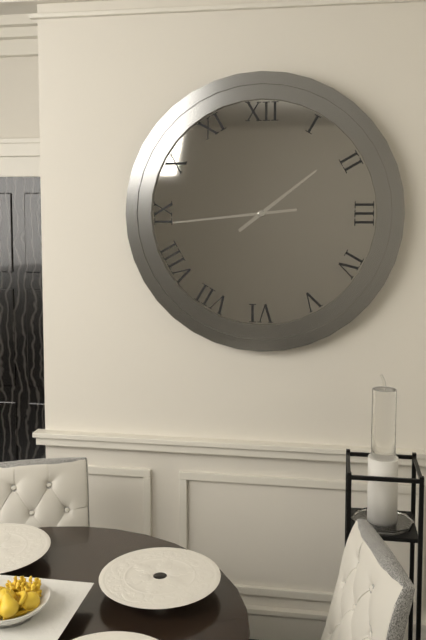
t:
1:44
